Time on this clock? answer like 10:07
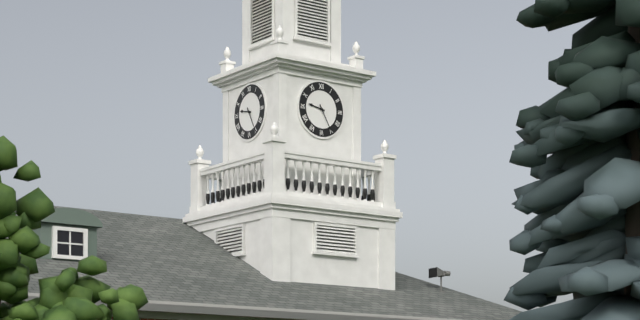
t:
9:25
